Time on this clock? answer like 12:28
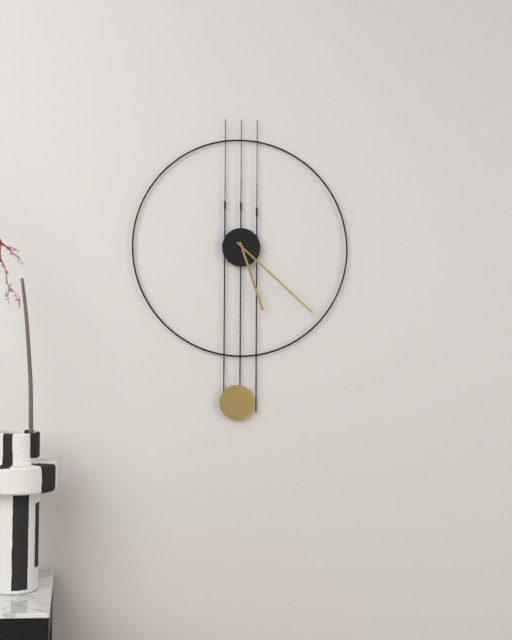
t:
5:22
